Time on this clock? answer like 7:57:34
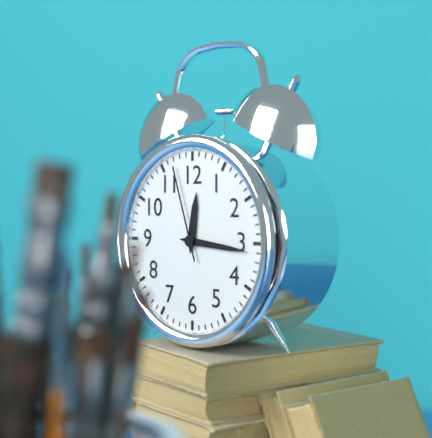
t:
12:16:57
